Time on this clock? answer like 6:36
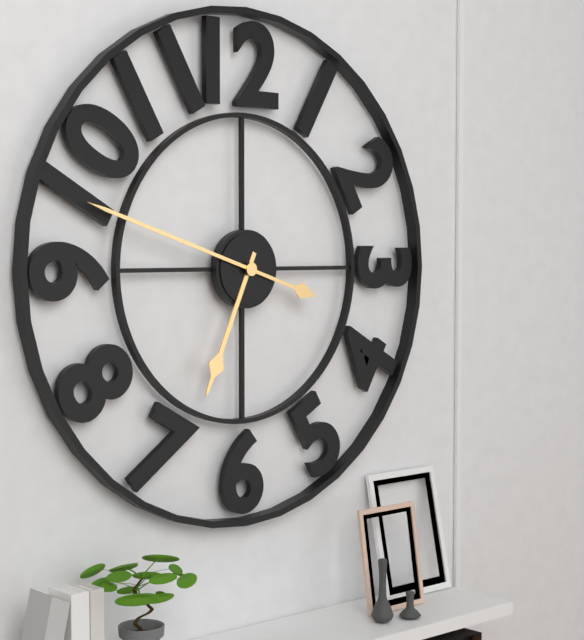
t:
6:48
